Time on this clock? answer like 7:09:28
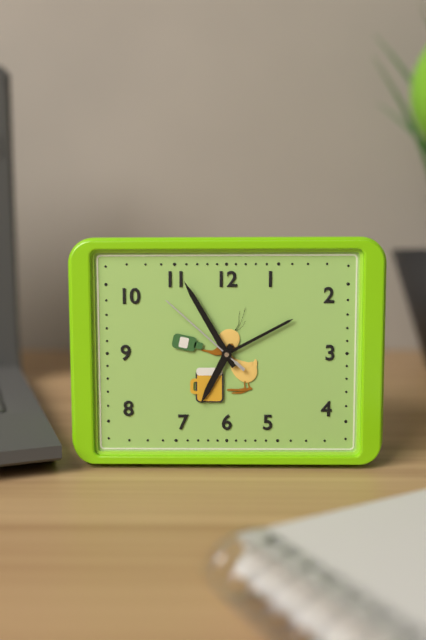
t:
6:55:52
